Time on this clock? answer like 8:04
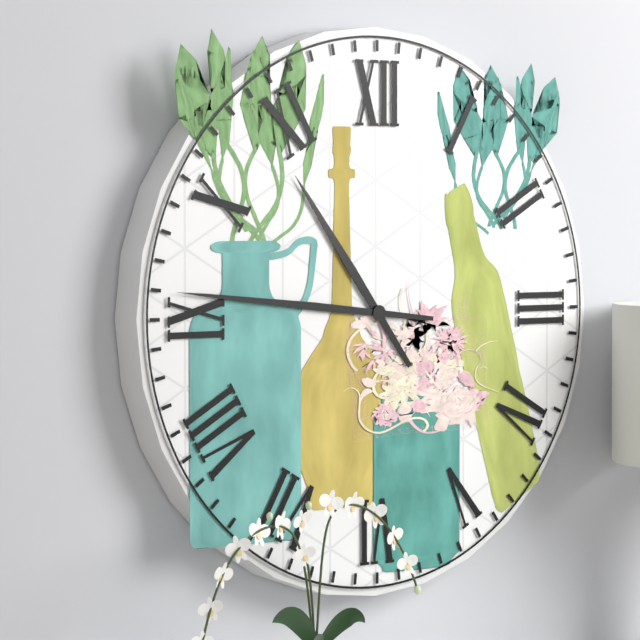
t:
10:46
